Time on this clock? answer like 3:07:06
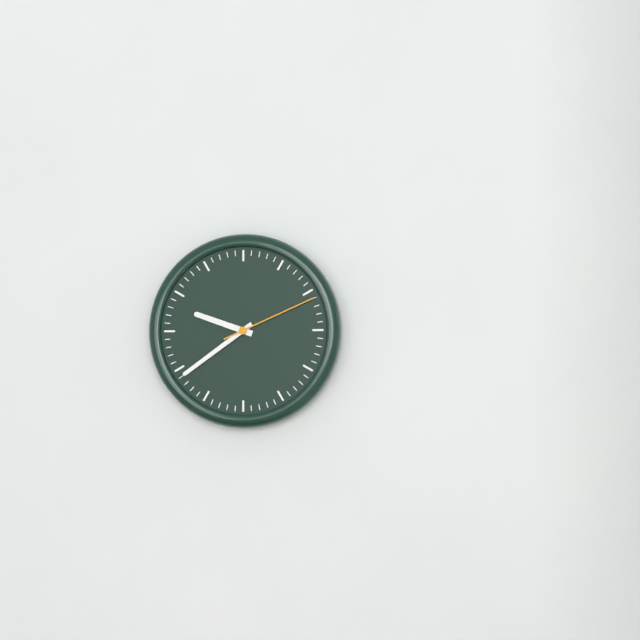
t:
9:39:11
